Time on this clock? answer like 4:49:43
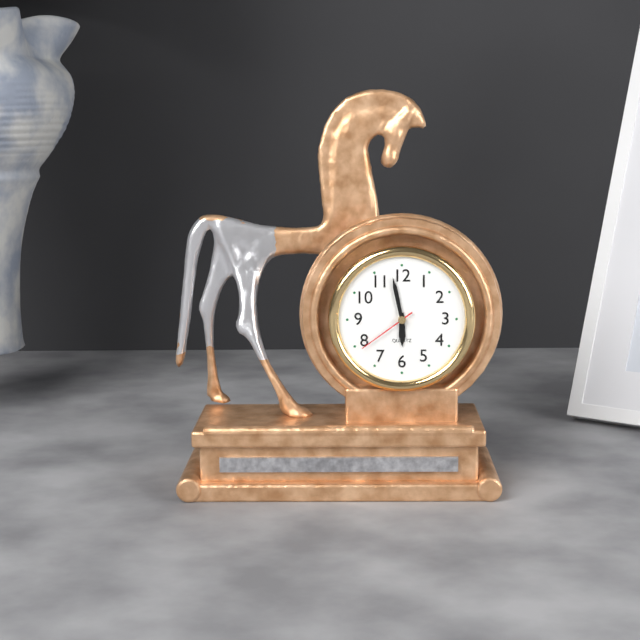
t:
5:58:39
